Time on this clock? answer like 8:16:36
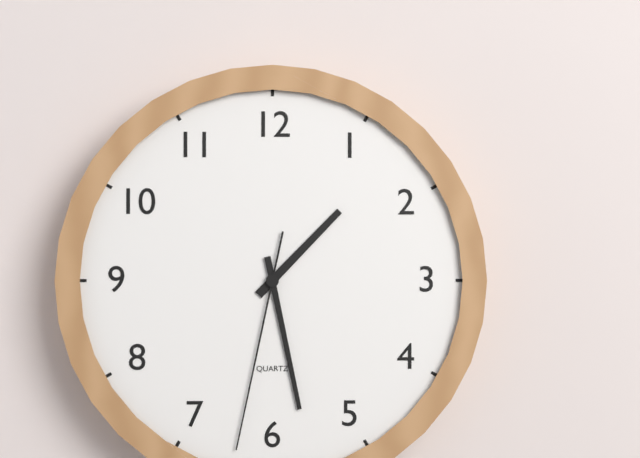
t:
1:28:32
